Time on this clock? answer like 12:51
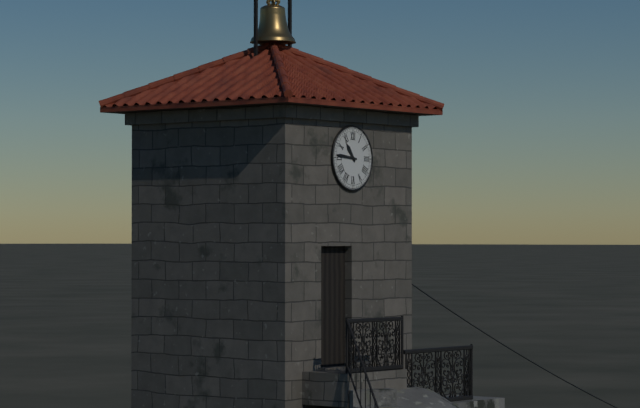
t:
10:46
